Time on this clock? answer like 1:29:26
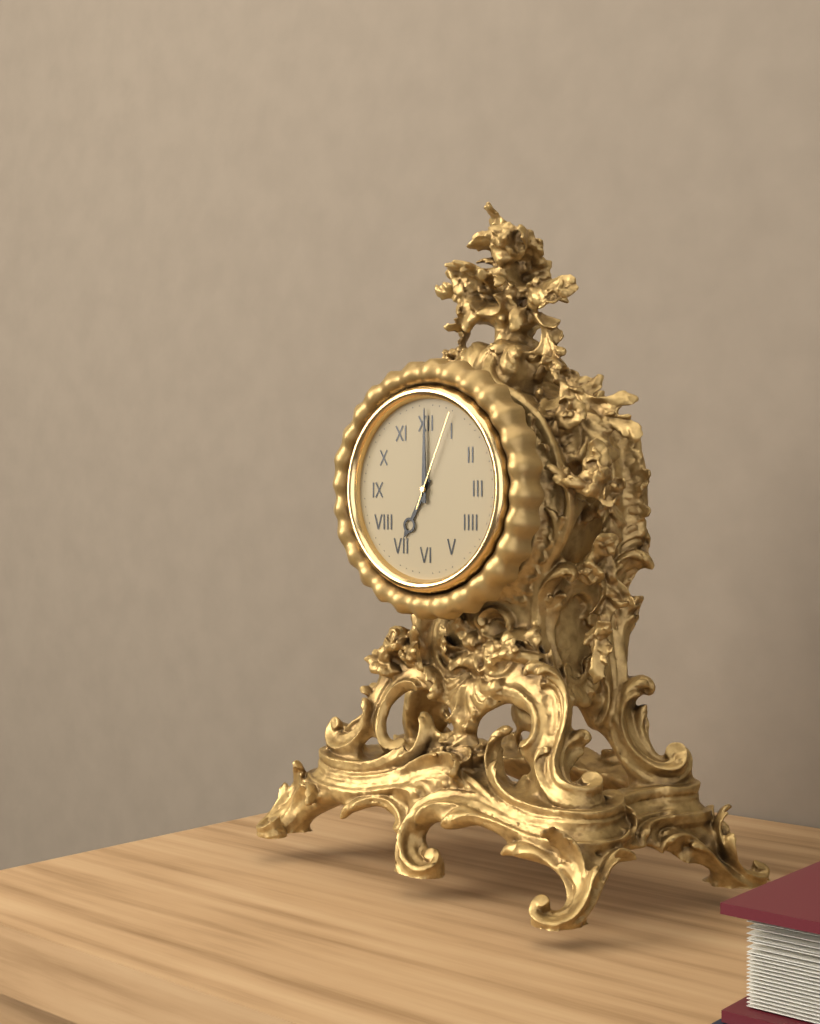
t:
7:00:04
